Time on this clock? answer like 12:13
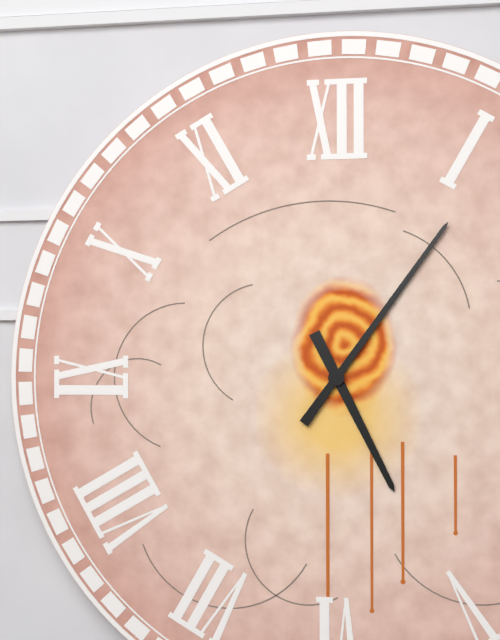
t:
5:06
